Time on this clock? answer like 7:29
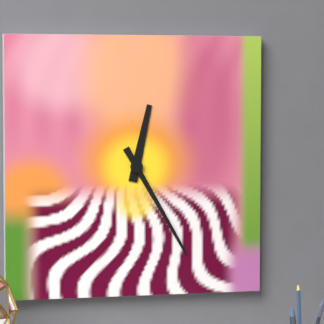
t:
12:25
